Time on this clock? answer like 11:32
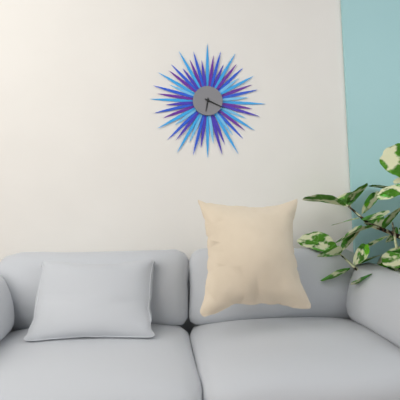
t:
6:19
